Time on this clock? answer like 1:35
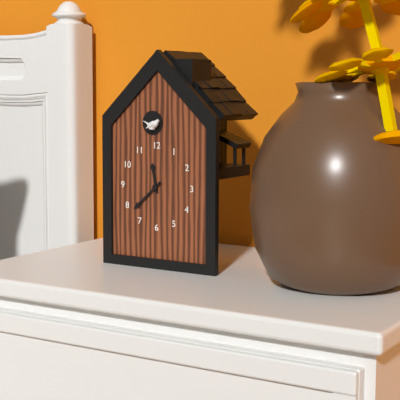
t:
11:38
